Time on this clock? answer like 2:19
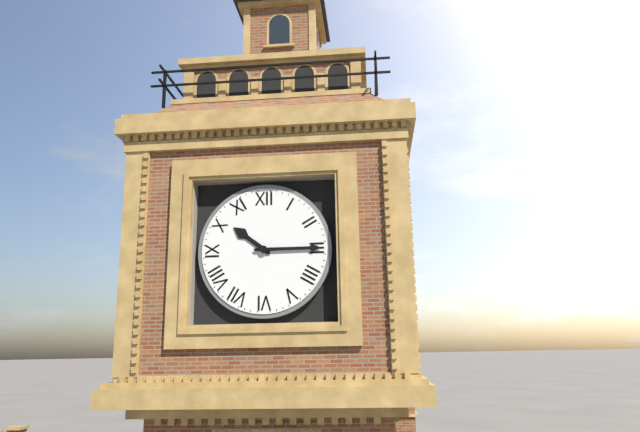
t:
10:15
